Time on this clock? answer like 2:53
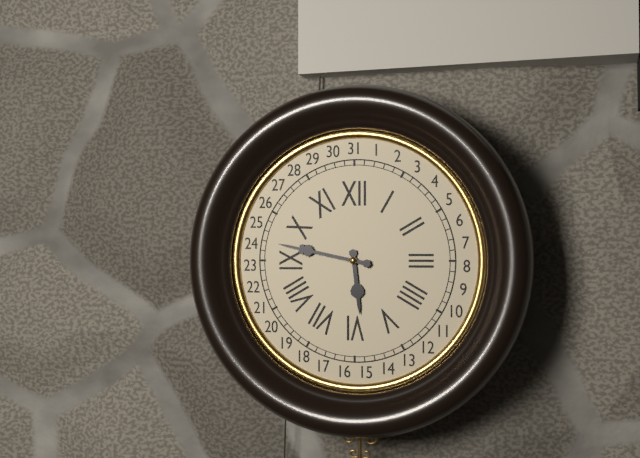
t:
5:47
